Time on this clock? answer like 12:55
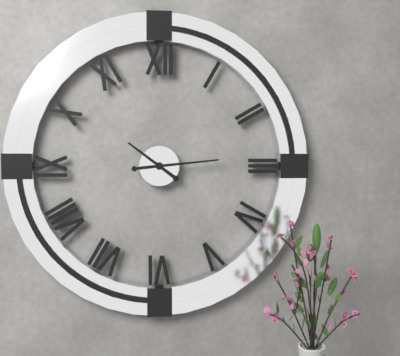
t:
10:14
